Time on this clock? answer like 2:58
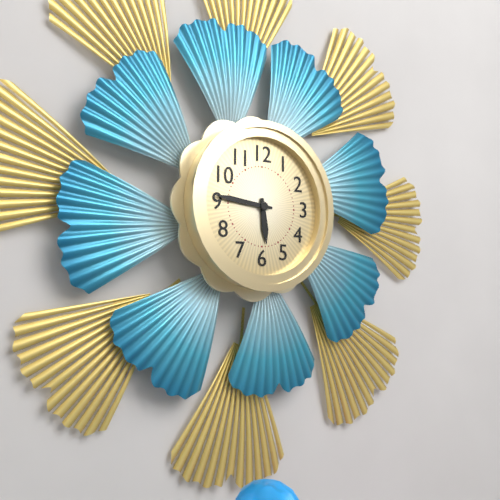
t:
5:46
